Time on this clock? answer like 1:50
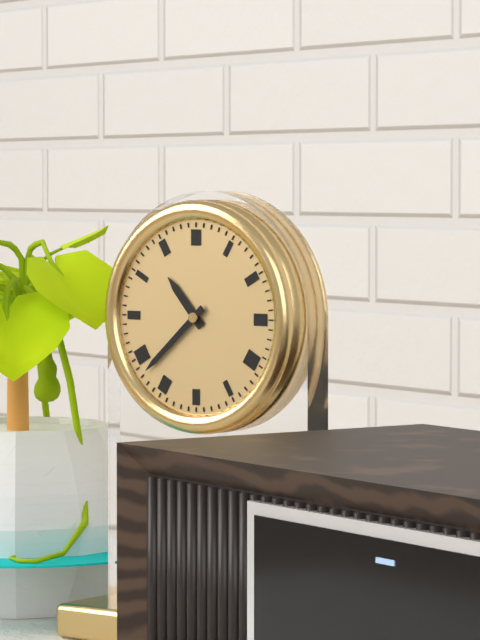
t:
10:38
